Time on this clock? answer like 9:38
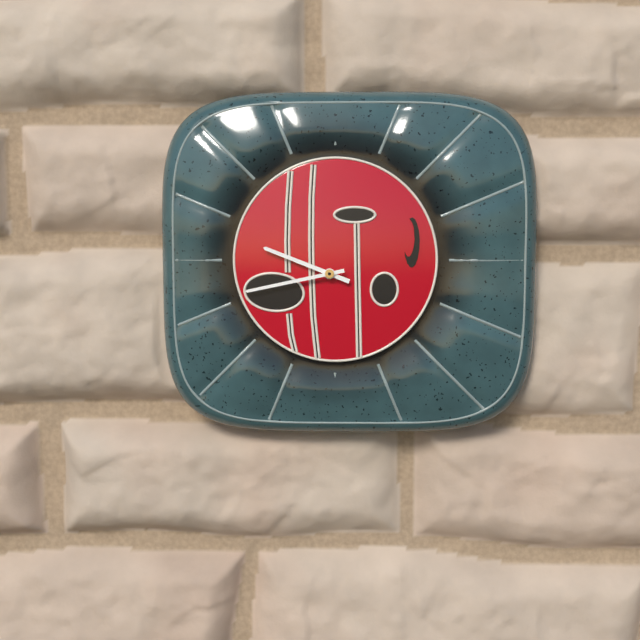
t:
9:43
